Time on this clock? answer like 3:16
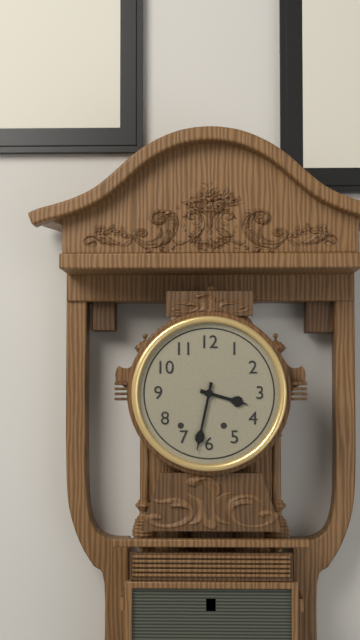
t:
3:32
